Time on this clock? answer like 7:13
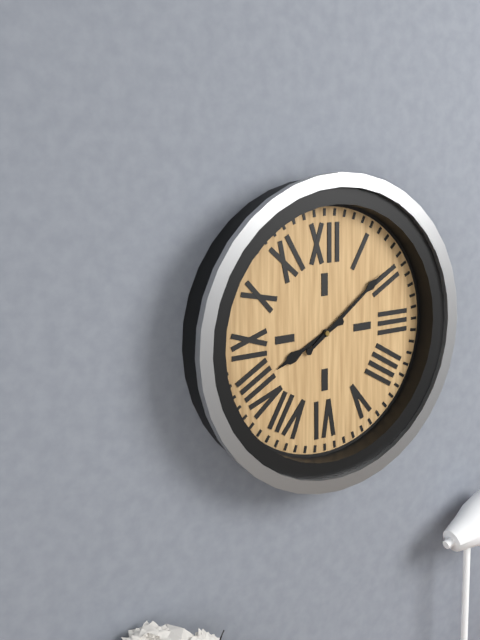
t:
8:09
